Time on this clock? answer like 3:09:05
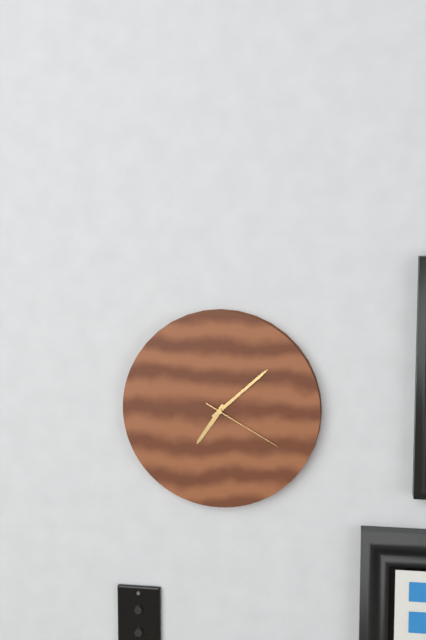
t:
7:08:20
